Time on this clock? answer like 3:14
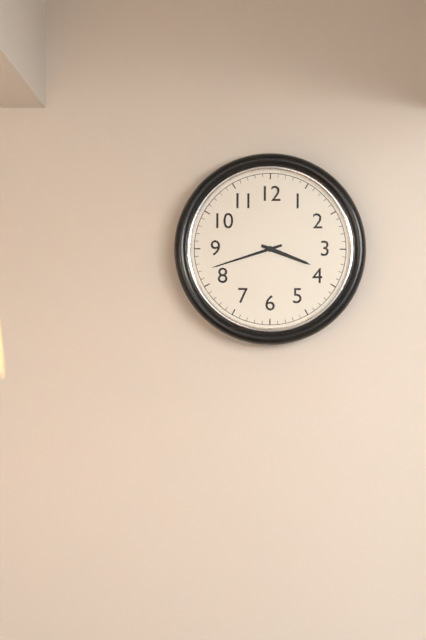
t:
3:42
